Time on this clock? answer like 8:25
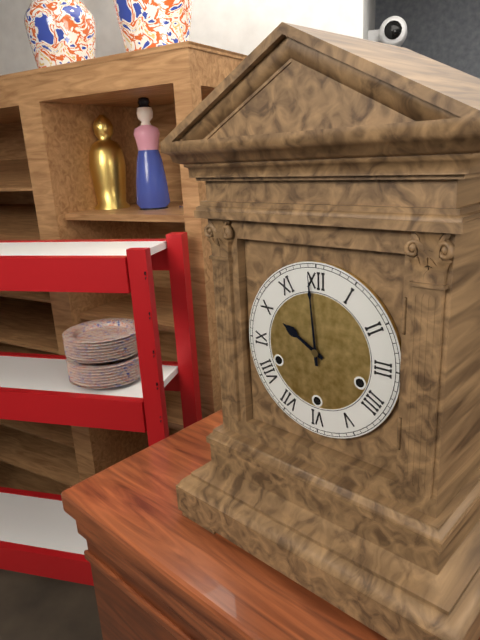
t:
9:59
